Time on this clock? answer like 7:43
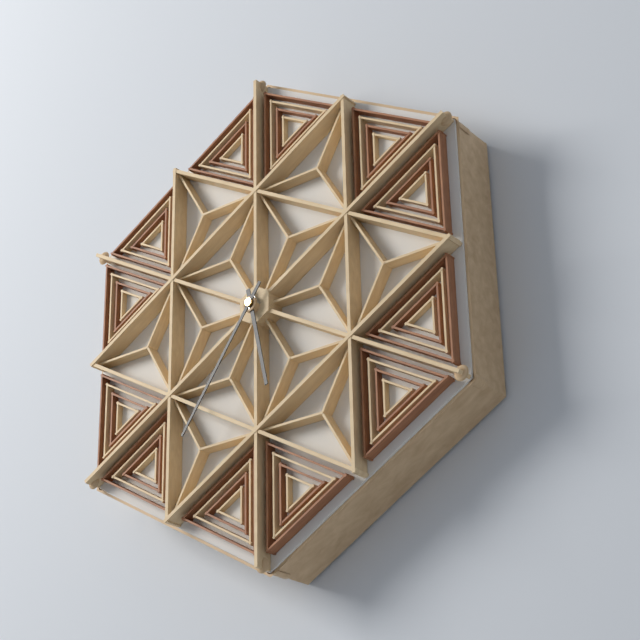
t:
5:36
